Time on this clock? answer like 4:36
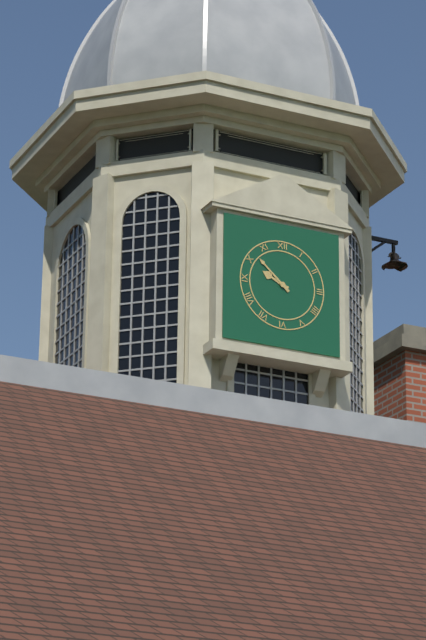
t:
9:52
